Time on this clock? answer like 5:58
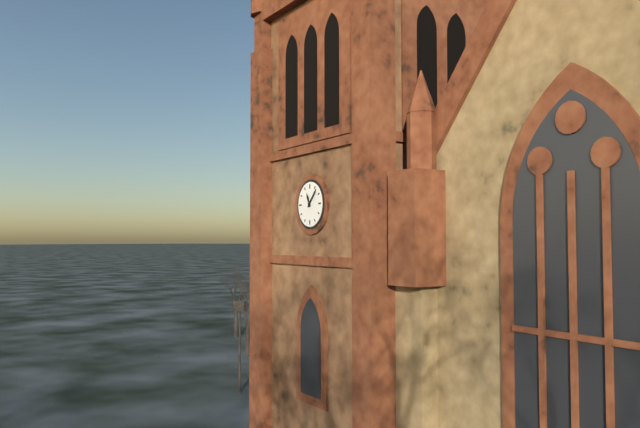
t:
11:07
